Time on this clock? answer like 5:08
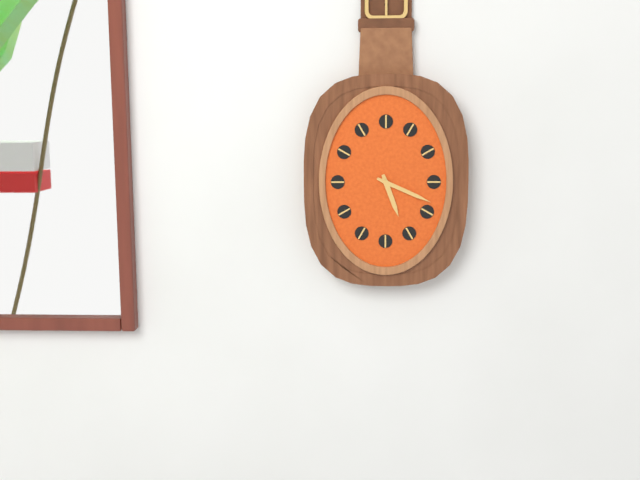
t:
5:19
